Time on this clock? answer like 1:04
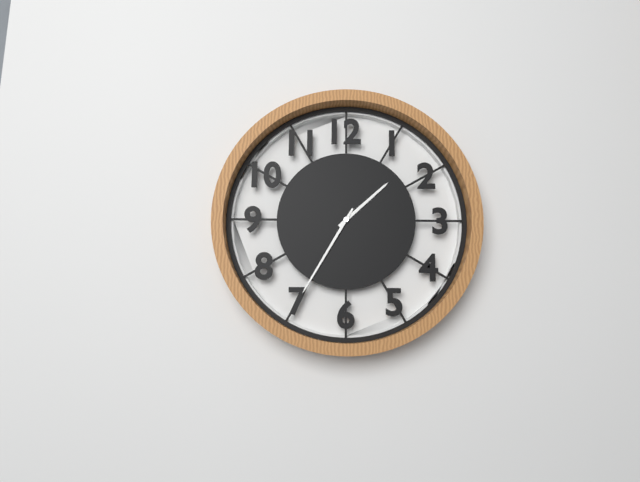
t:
1:35
